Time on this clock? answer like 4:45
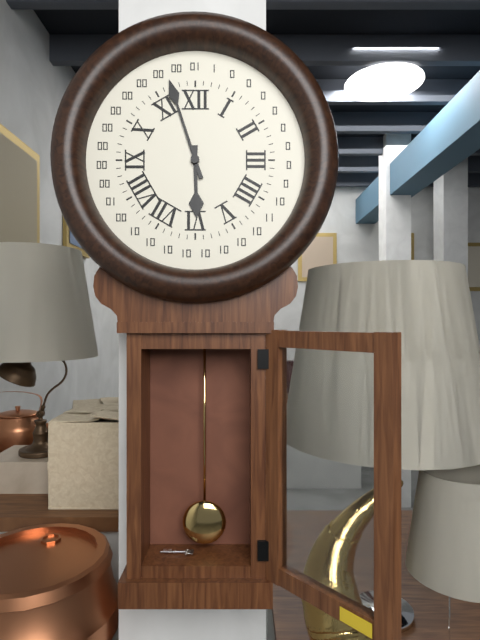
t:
5:57
